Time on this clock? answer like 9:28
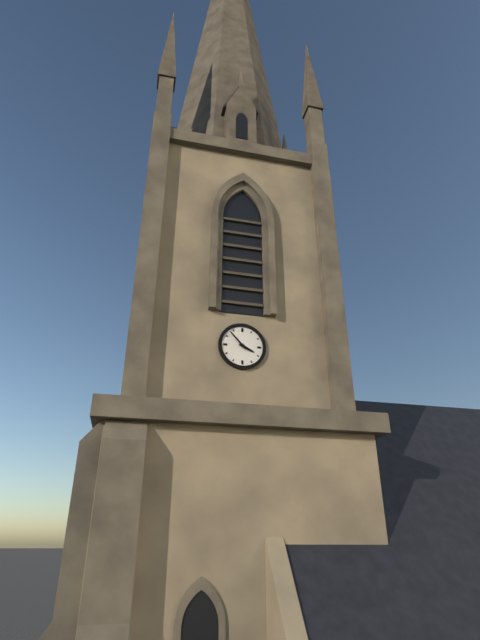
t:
3:53
